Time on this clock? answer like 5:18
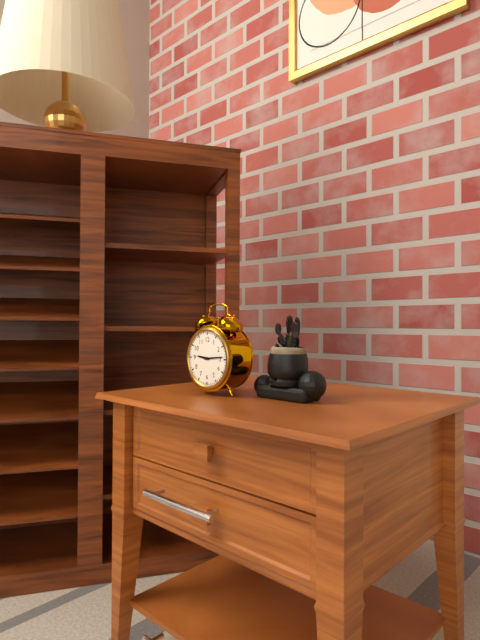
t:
9:14
